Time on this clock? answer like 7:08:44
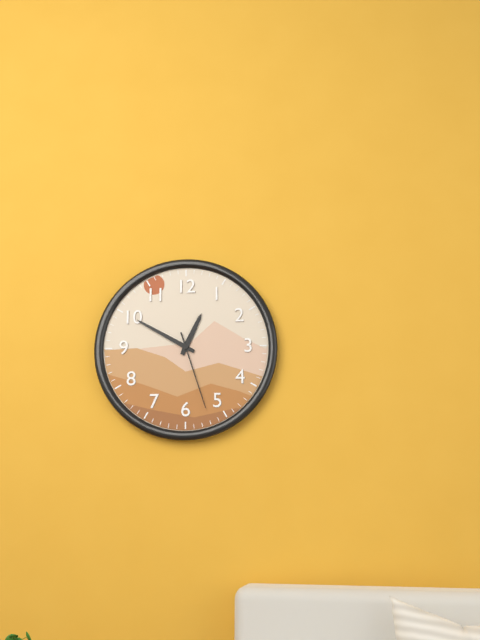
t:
12:50:27
